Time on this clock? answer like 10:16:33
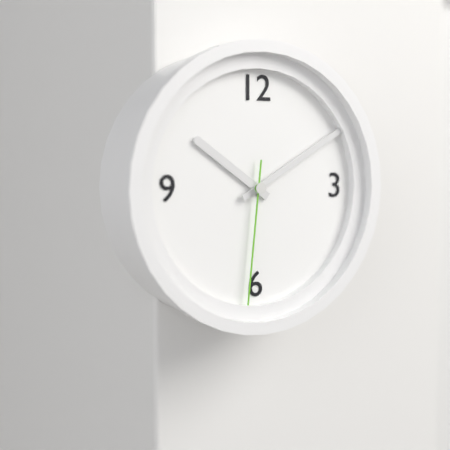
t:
10:10:31
